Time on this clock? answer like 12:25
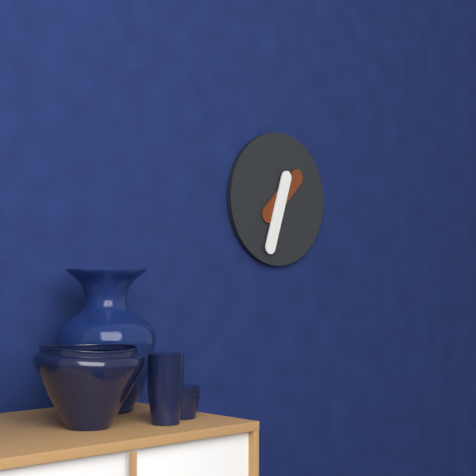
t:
1:33
